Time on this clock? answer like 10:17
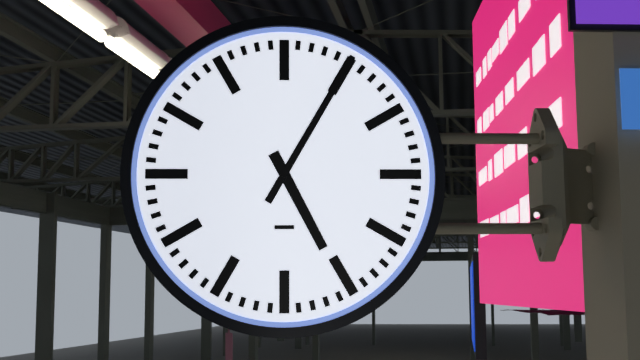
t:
5:05
